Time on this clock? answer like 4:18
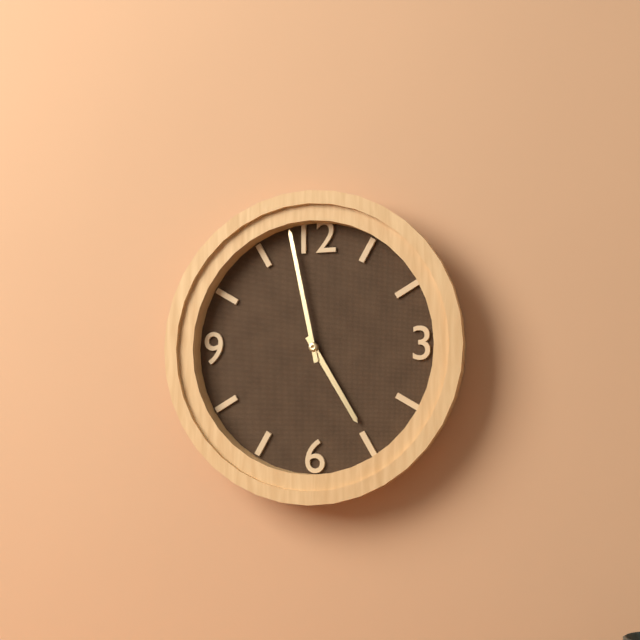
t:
4:58
